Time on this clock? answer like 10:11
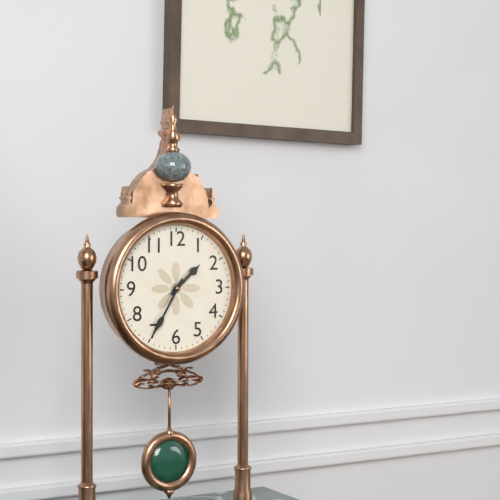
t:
1:35
